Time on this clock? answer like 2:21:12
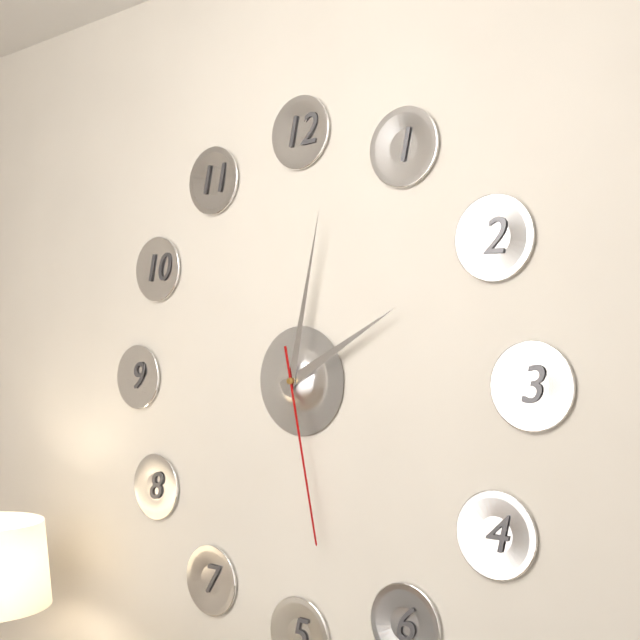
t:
2:02:28
